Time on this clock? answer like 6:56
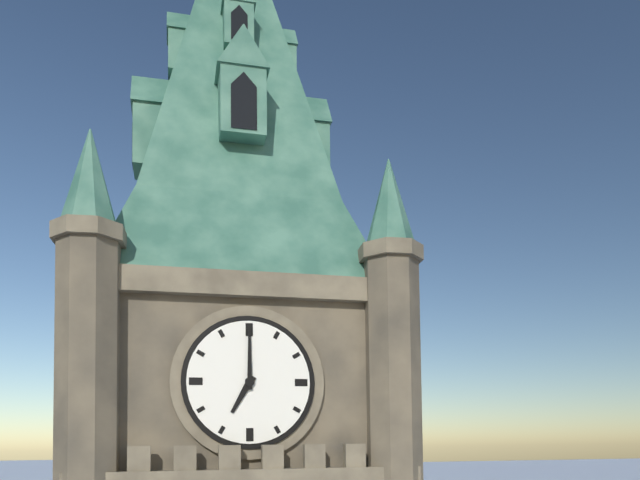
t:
7:00
